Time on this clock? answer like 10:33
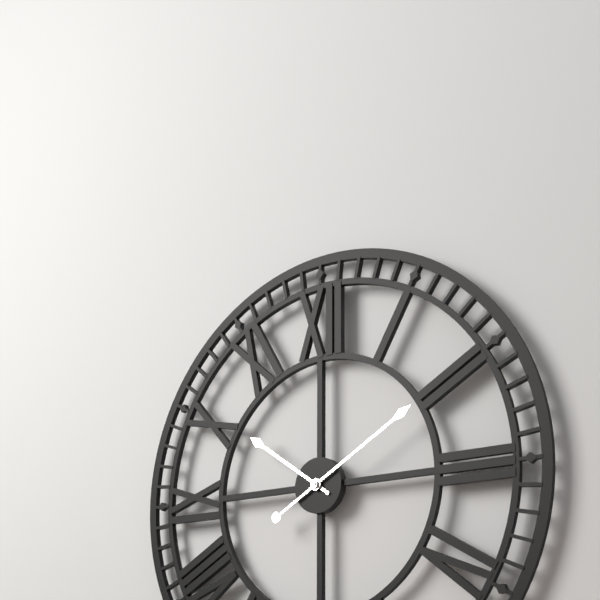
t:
10:10
